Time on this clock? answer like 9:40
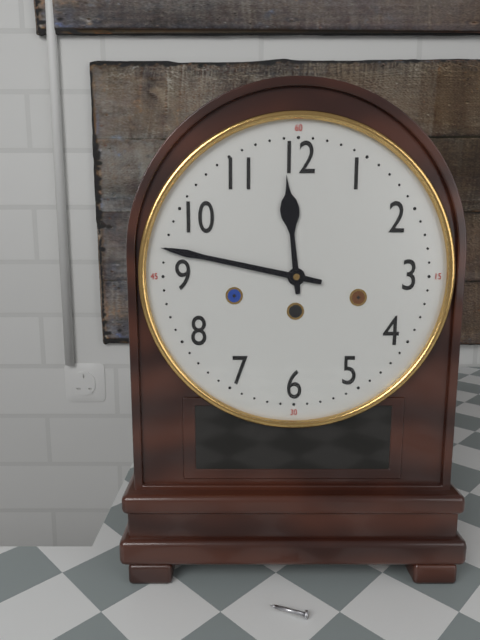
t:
11:47
